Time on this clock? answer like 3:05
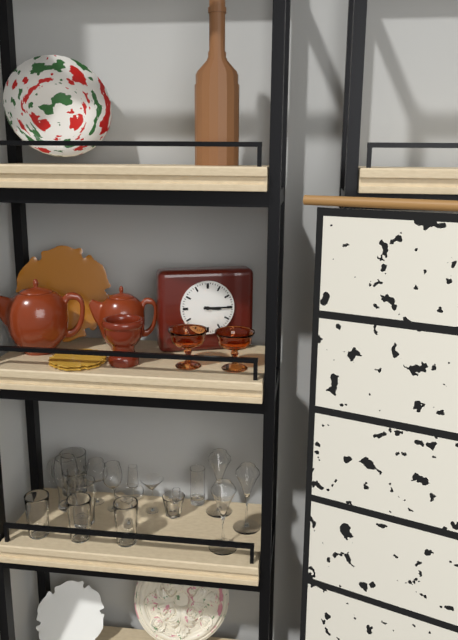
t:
3:15
